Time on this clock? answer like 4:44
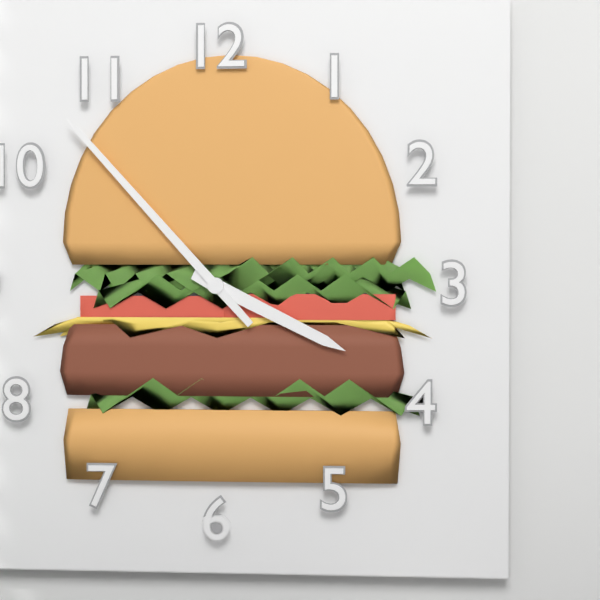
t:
3:53
